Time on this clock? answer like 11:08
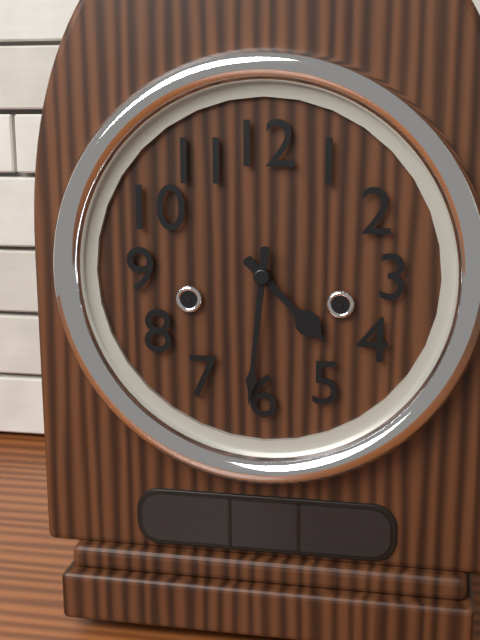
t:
4:31
